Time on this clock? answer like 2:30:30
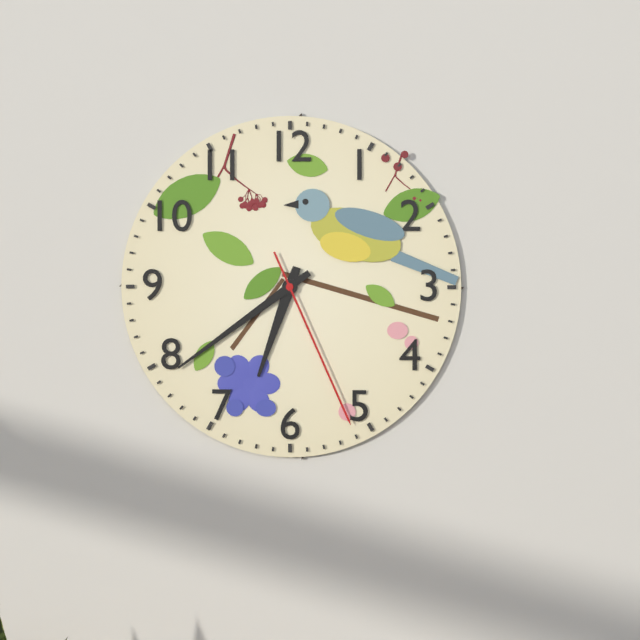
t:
6:39:26
